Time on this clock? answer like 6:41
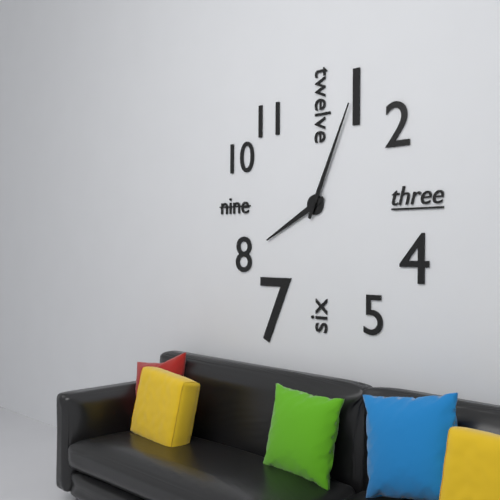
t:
8:04
